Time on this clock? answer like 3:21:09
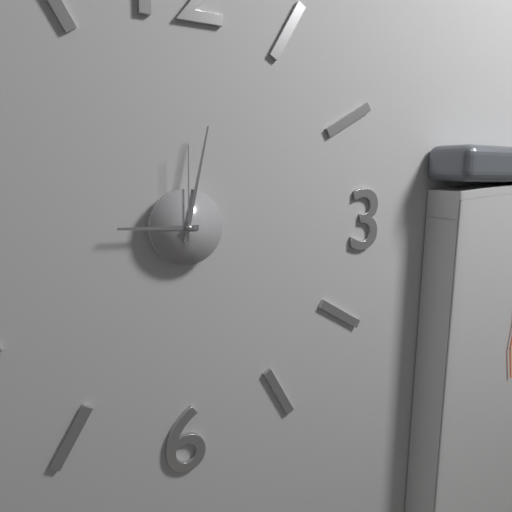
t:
9:02:00
